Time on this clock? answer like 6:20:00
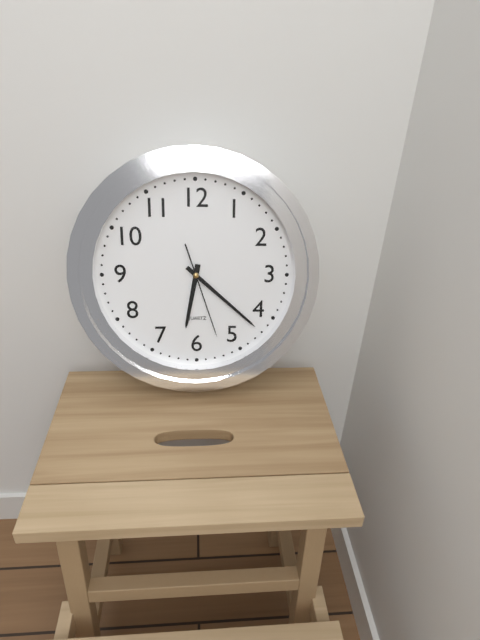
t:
6:22:27
